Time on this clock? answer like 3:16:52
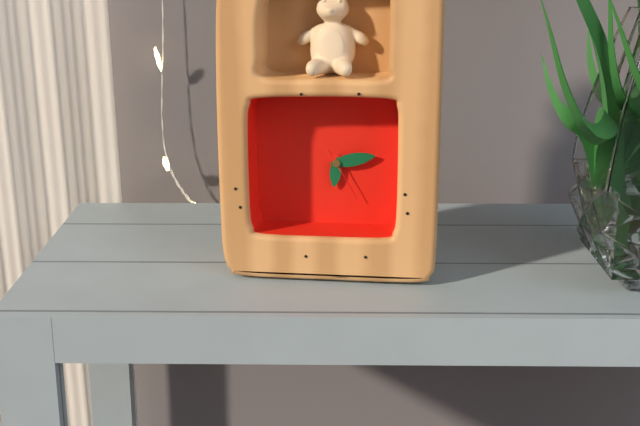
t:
6:13:25
